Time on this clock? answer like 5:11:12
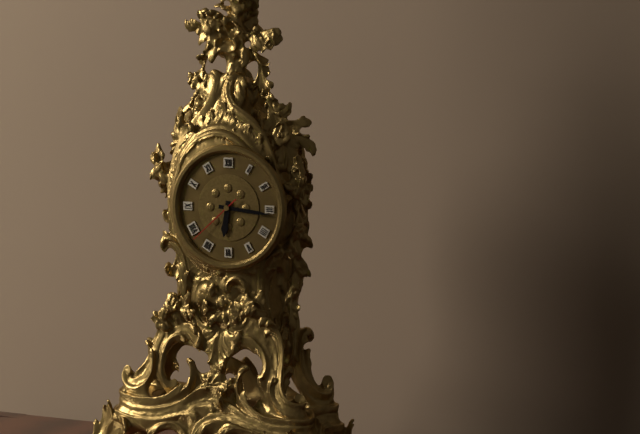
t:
6:16:38
